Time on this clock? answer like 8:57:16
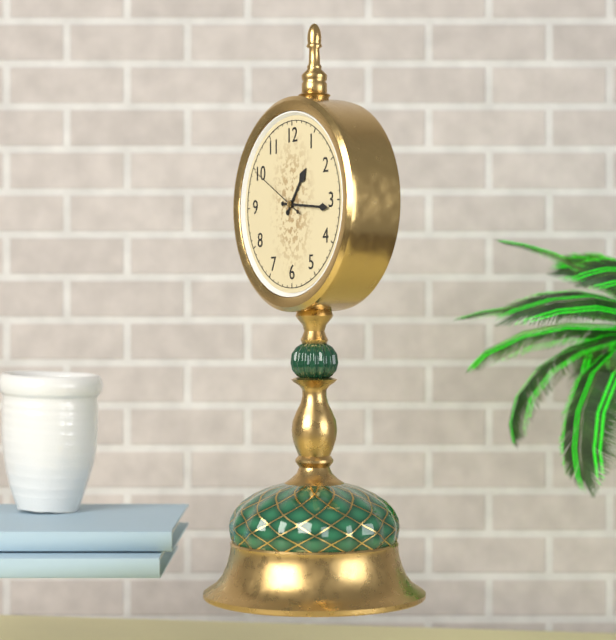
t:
1:16:50
